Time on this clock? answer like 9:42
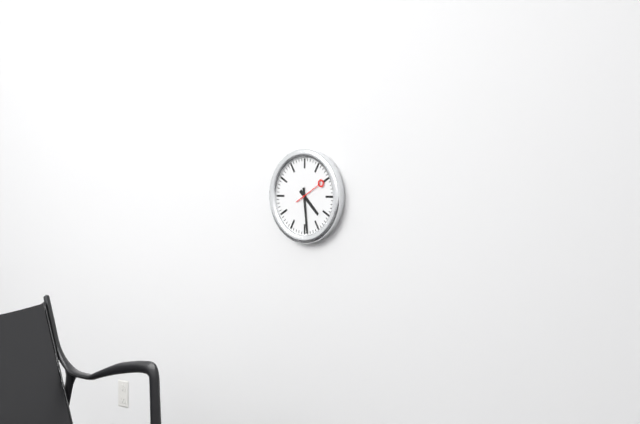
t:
4:29
